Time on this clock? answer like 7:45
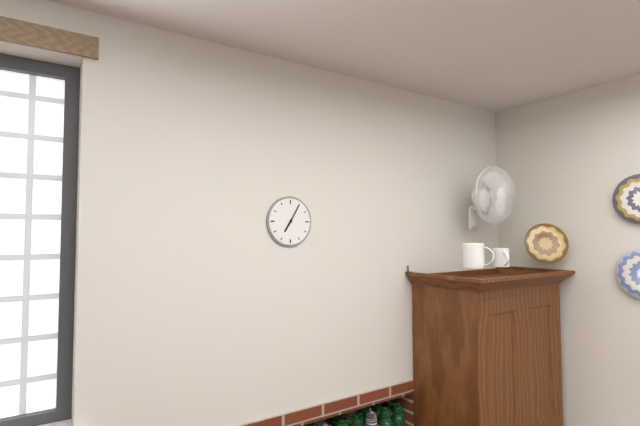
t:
7:05
